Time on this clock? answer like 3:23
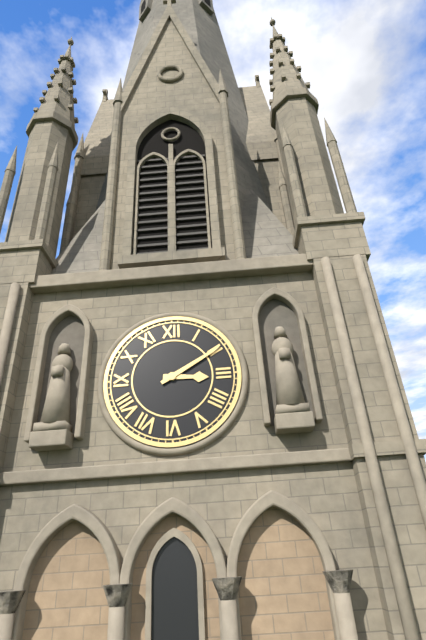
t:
3:10
